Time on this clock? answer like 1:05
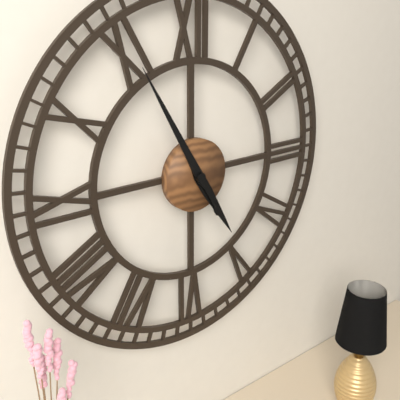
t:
4:55
